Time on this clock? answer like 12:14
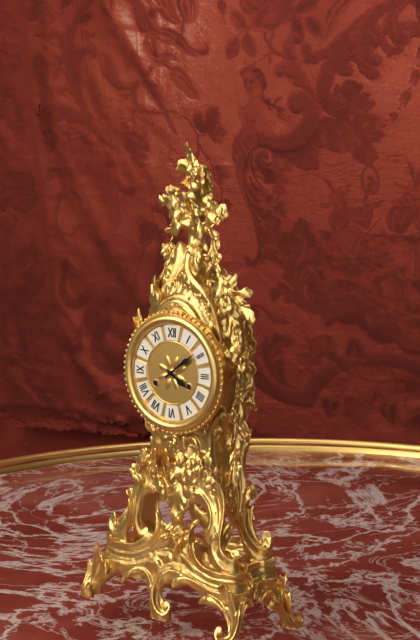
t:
4:09
